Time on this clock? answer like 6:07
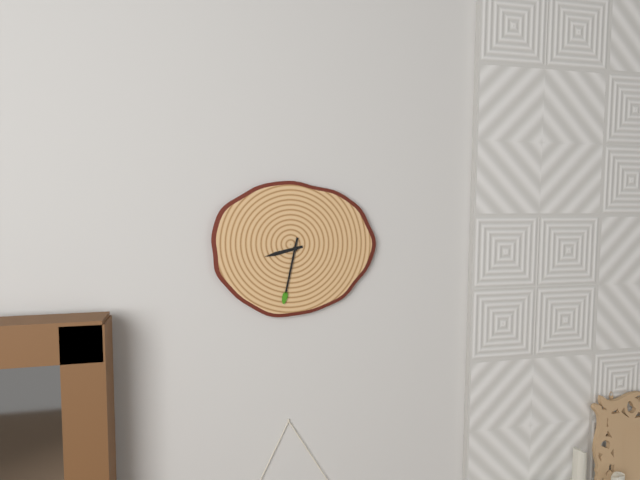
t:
8:32
